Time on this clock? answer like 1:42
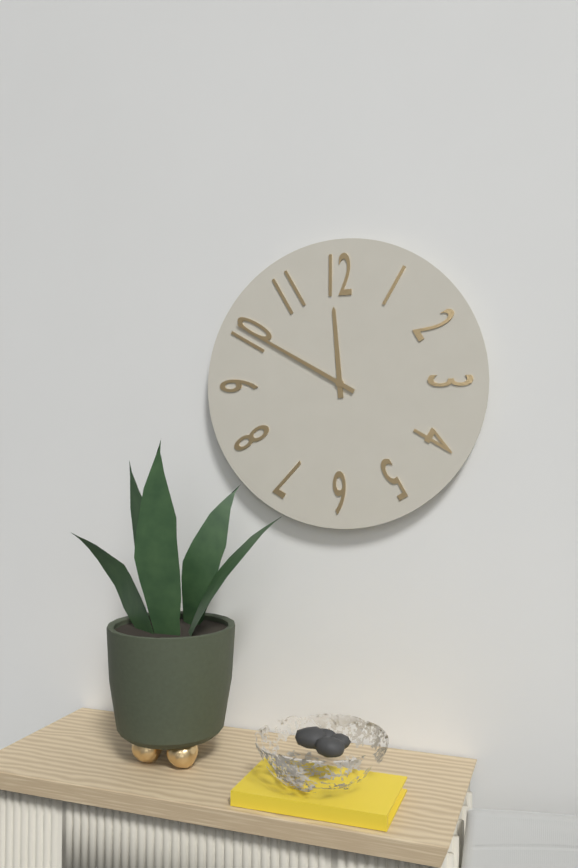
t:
11:50
